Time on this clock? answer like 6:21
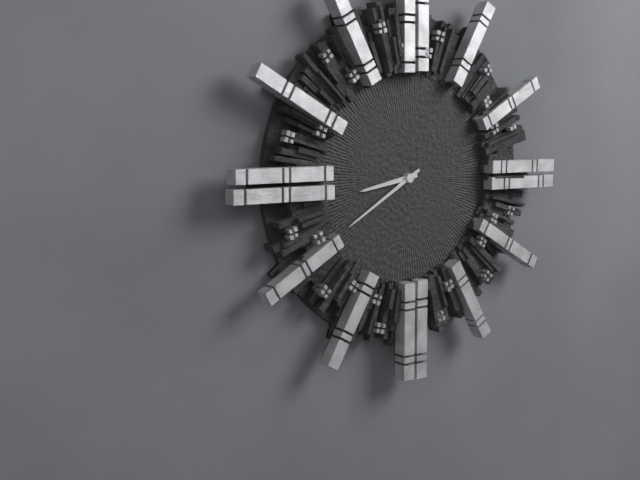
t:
8:40
